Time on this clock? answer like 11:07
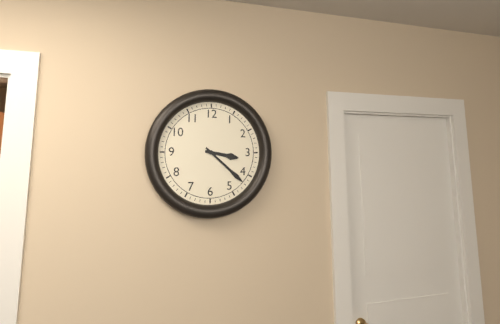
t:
3:22
